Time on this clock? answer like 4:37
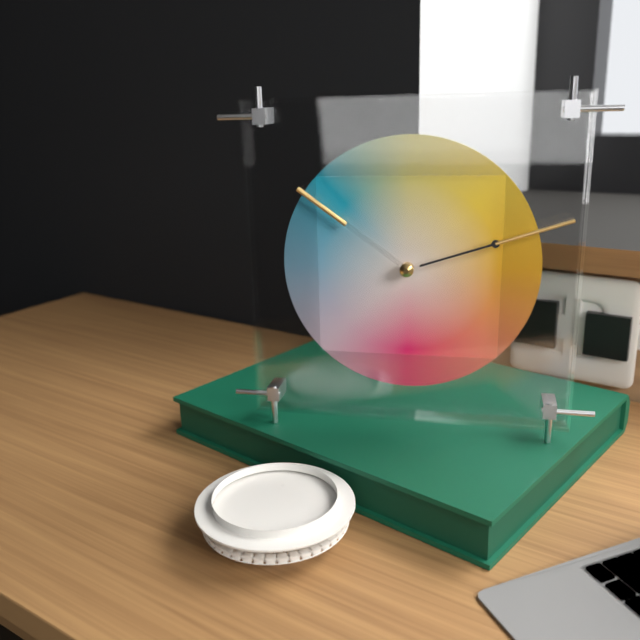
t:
10:12
